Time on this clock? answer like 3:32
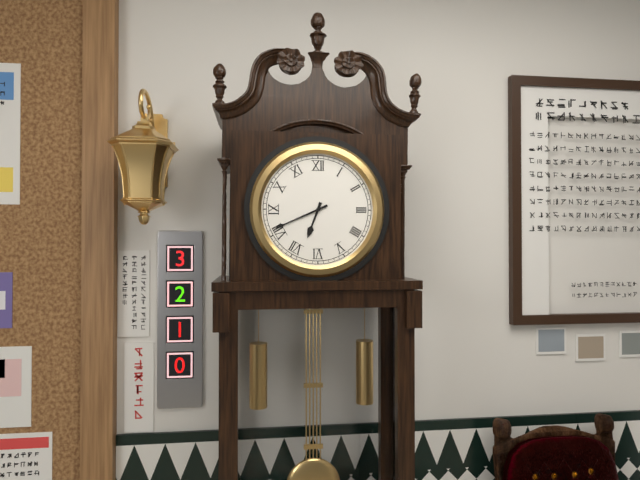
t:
6:41
